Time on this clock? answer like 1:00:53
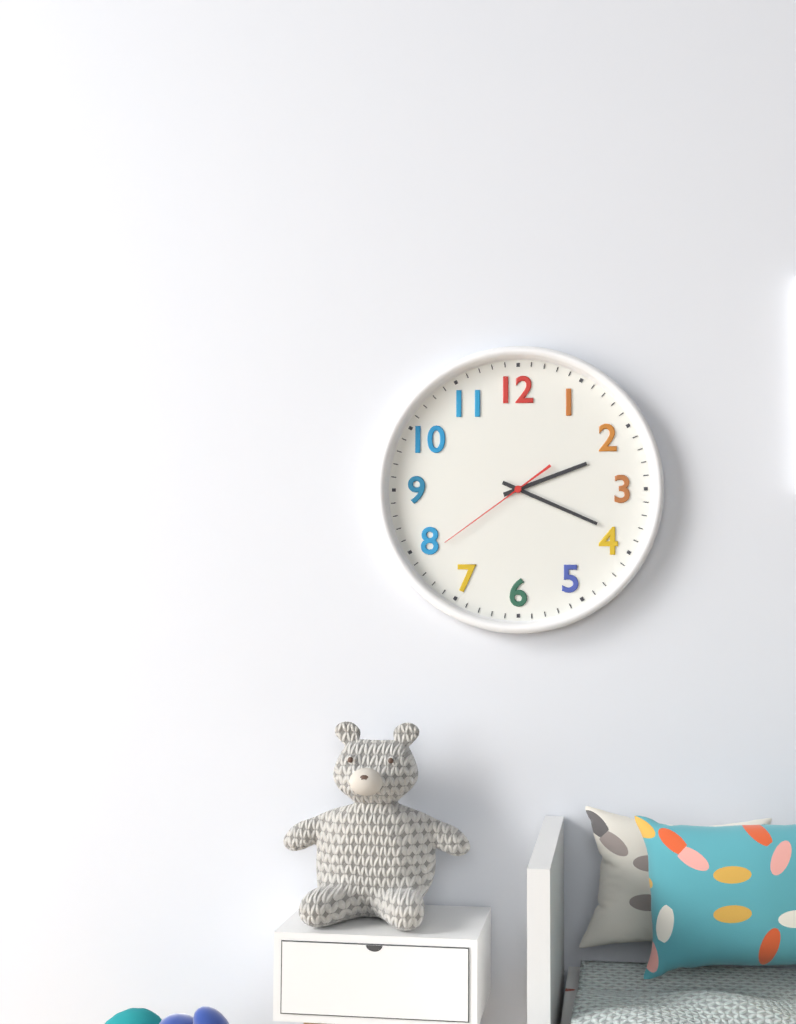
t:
2:19:39
